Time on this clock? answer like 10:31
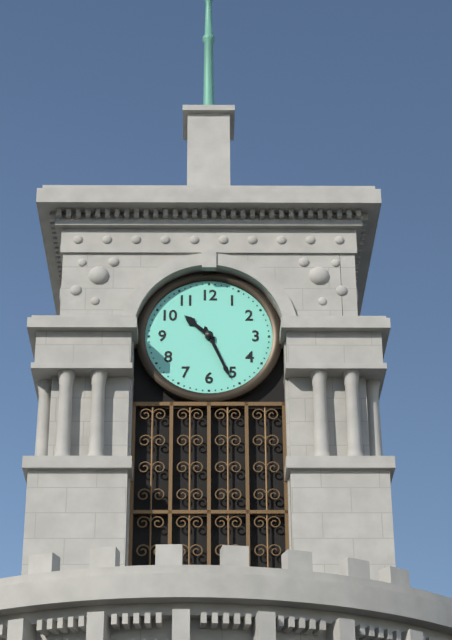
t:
10:26
